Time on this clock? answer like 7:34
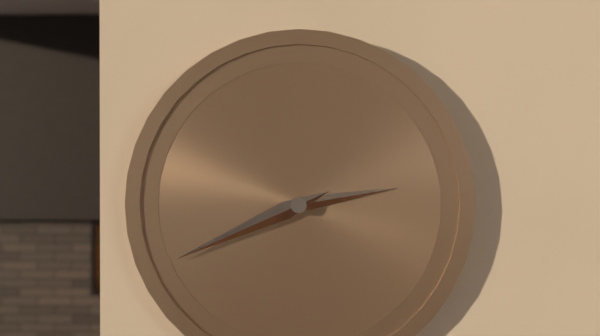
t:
2:41
